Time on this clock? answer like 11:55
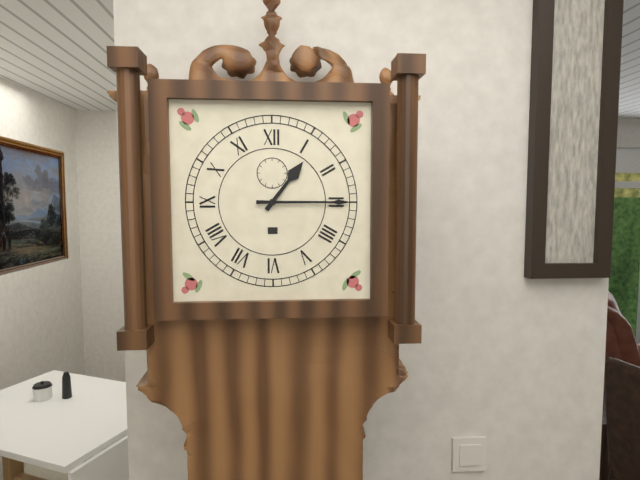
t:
1:15
